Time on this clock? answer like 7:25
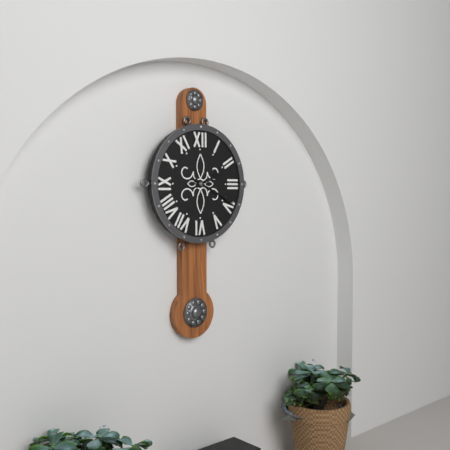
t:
2:19
